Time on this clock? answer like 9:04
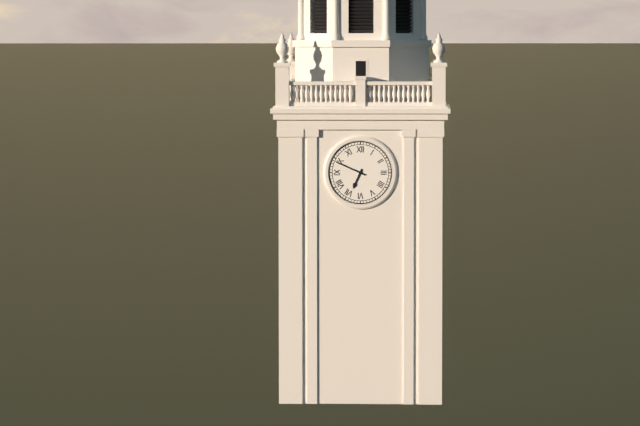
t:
6:49
